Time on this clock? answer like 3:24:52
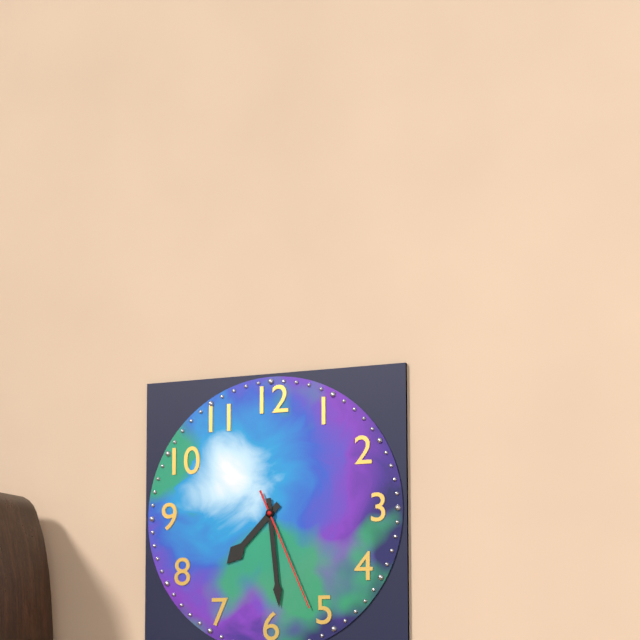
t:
7:29:26
